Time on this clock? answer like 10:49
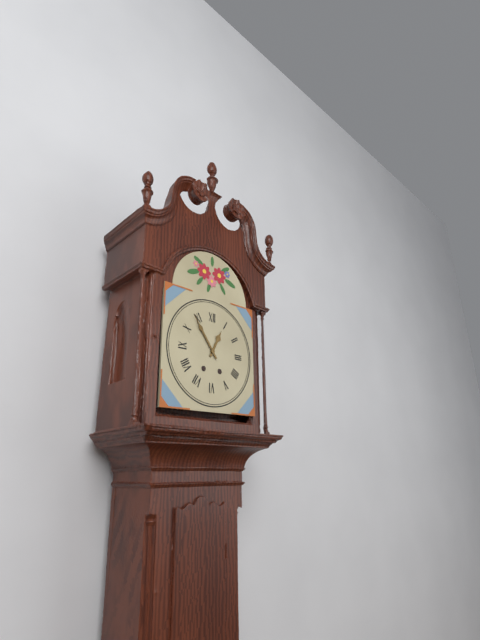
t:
12:54
